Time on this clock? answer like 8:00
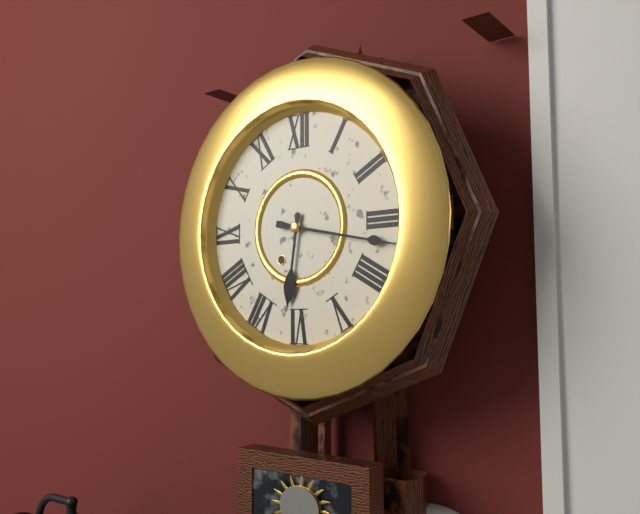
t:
6:17
